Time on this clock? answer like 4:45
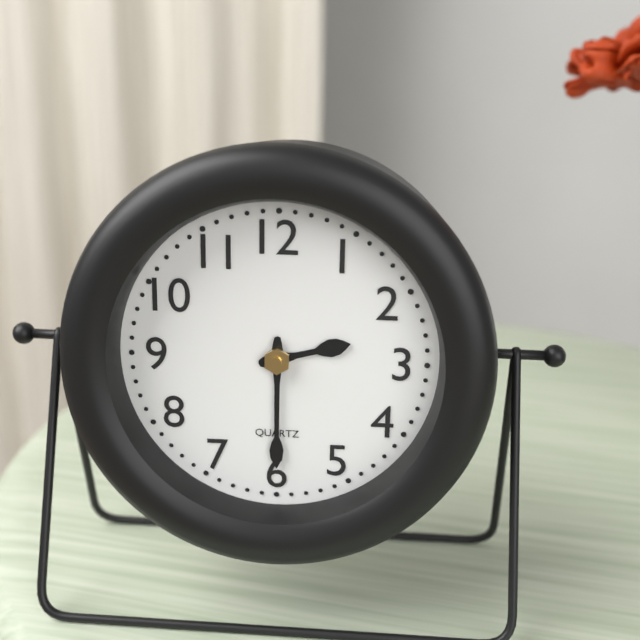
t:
2:30
